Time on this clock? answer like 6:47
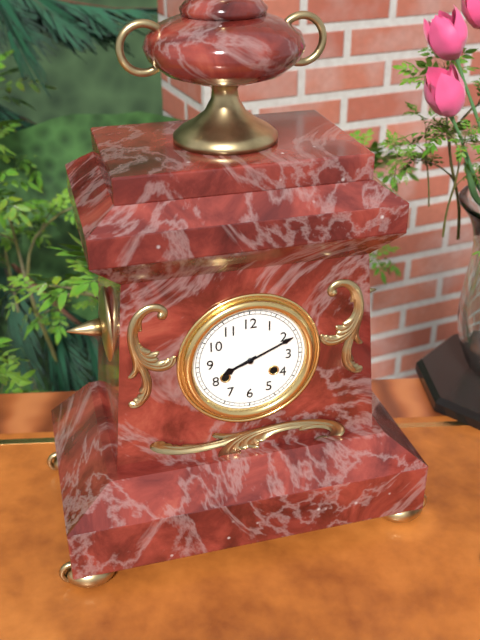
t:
8:11
